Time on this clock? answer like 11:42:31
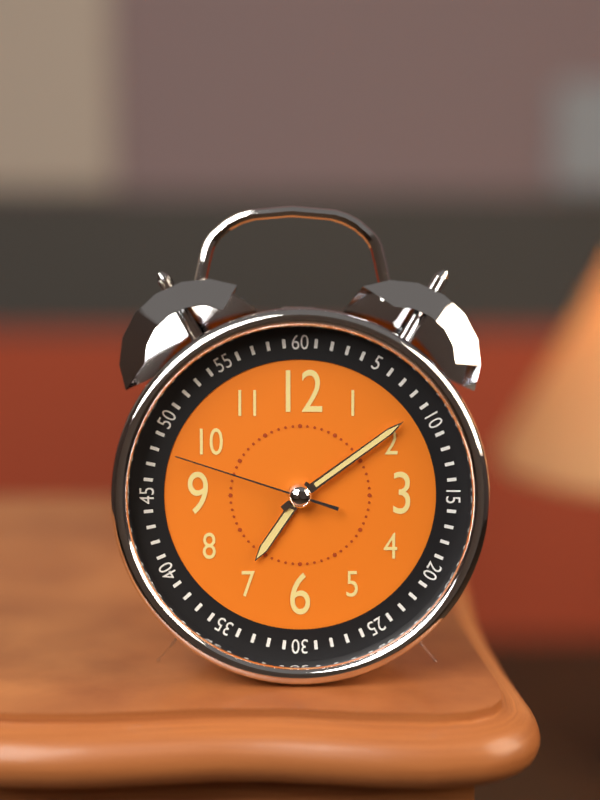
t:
7:09:48
